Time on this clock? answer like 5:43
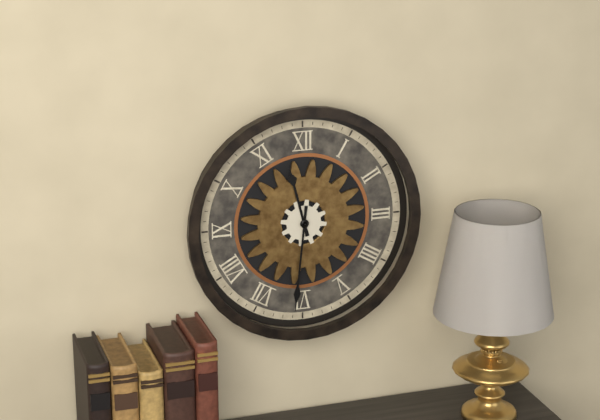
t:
11:31
